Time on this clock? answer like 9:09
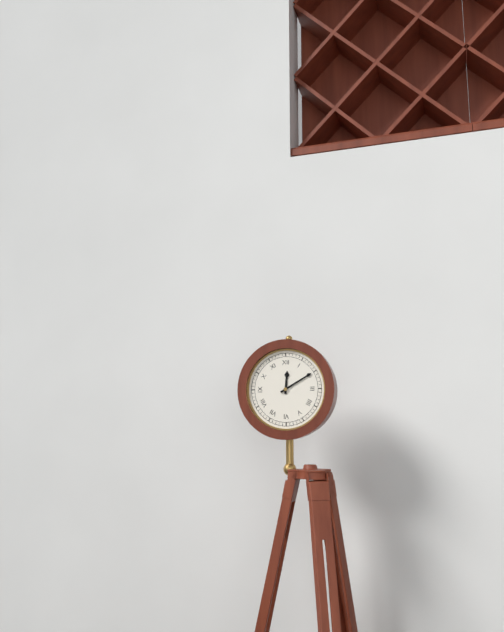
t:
12:10
